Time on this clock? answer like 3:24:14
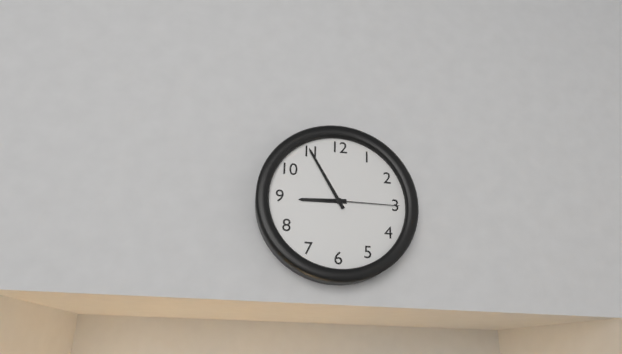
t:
8:55:15
